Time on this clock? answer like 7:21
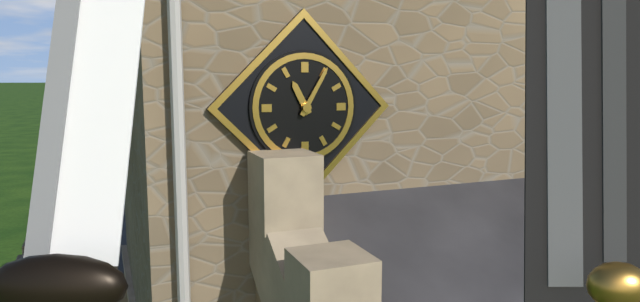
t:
11:05
